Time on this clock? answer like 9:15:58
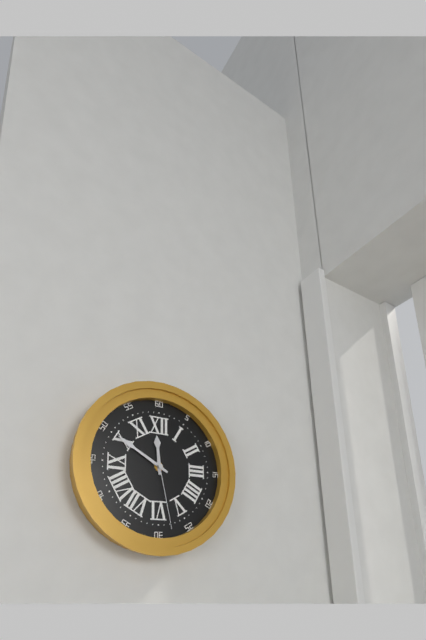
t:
11:50:28
